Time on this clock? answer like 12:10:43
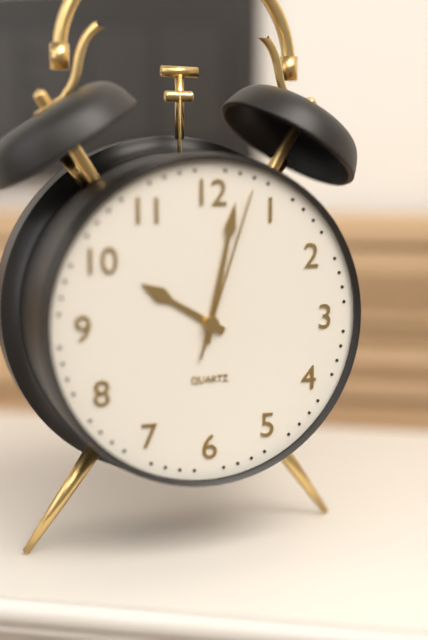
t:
10:02:03
